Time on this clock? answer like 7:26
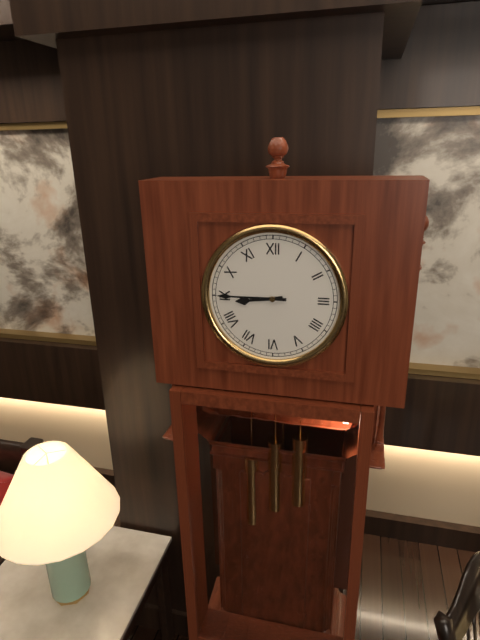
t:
8:45
